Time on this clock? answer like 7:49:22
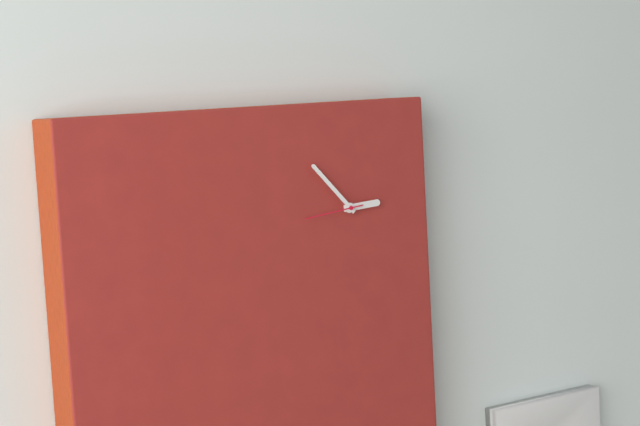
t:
2:53:44
